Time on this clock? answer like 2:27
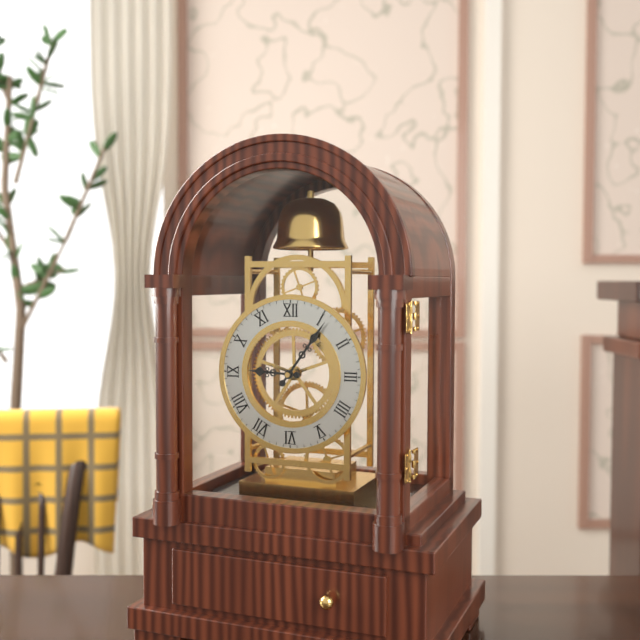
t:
9:06
